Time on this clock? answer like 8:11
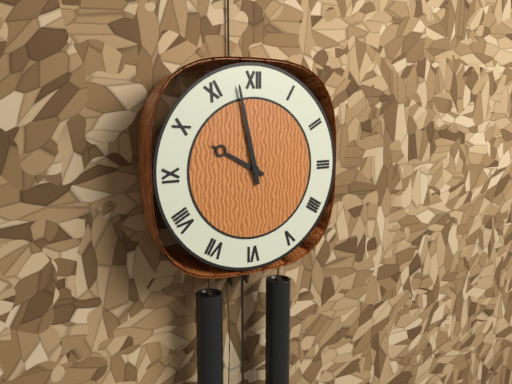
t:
9:58
